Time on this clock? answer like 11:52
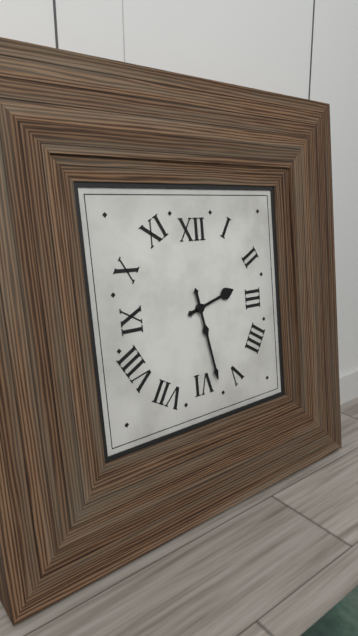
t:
2:28
